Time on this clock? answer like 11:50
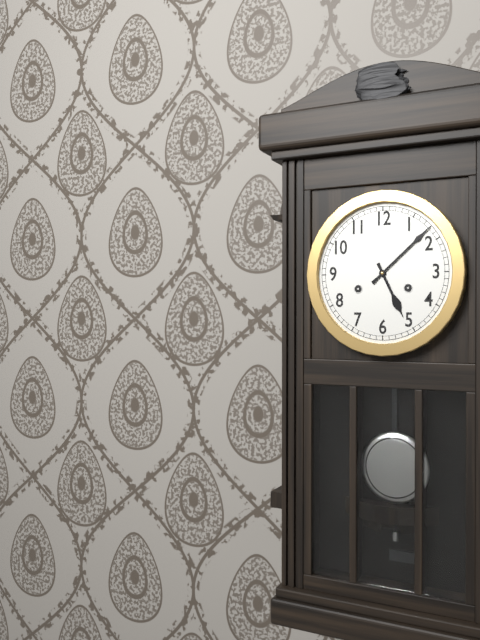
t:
5:08
